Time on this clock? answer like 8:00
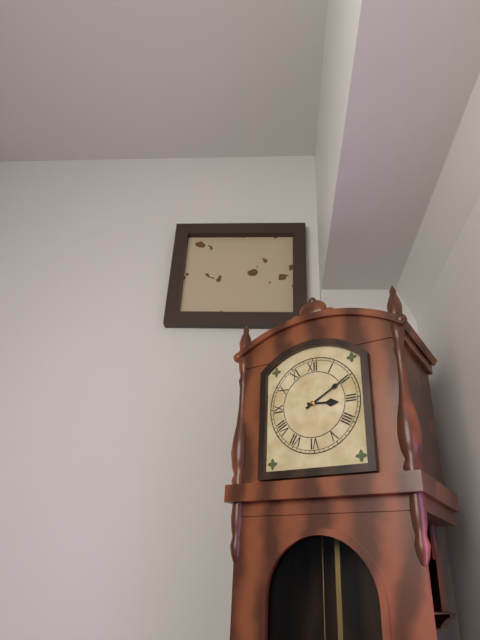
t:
3:10
